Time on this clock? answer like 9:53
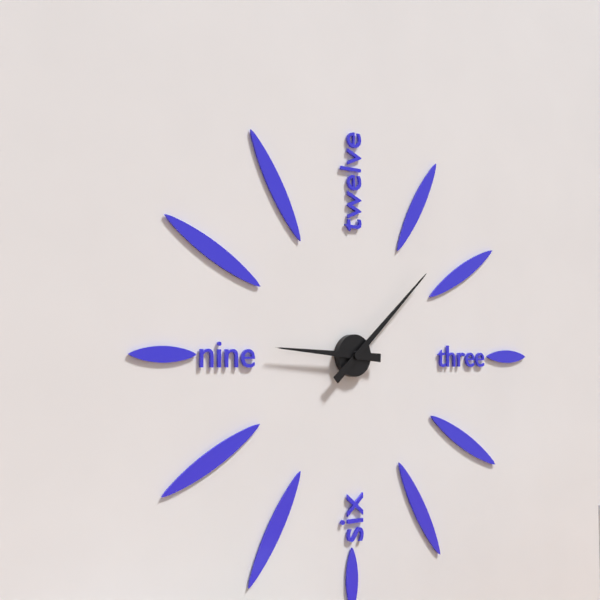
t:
9:08
